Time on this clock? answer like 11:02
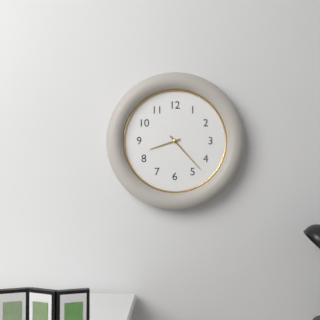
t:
8:23
